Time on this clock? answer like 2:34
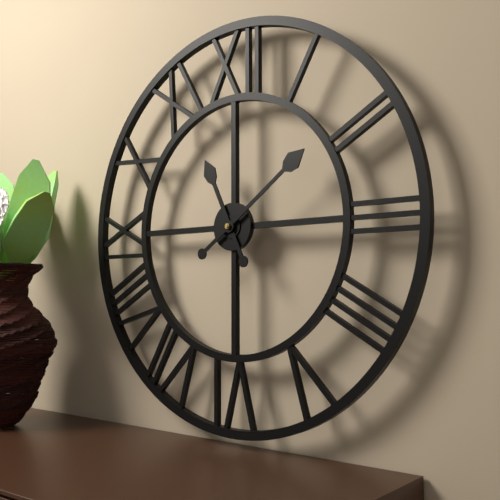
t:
11:09
